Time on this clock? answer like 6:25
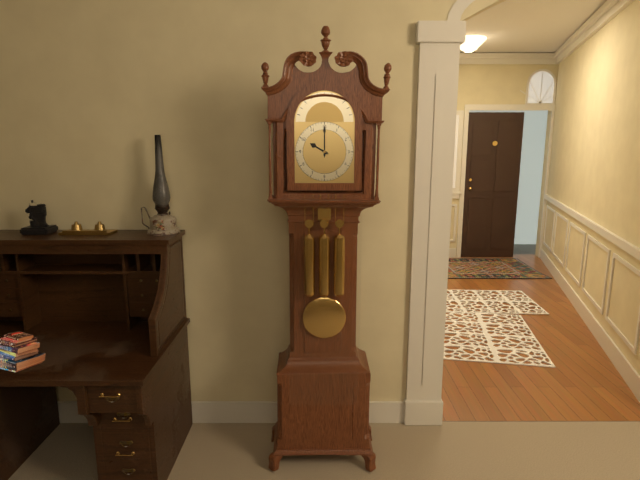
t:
10:00
